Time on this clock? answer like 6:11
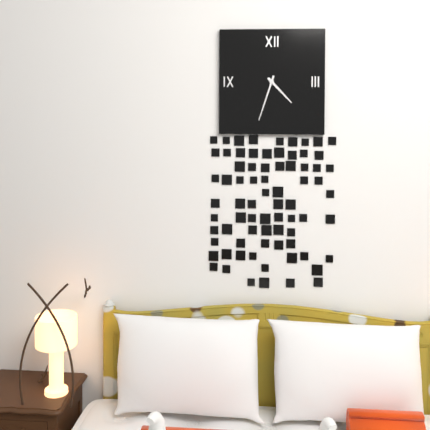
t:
4:33
